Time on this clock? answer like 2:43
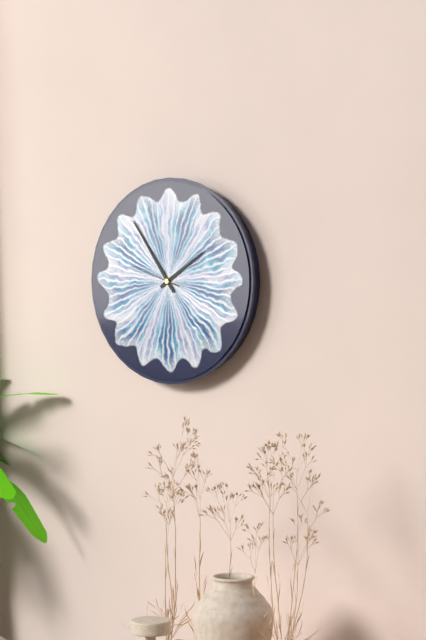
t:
1:54
